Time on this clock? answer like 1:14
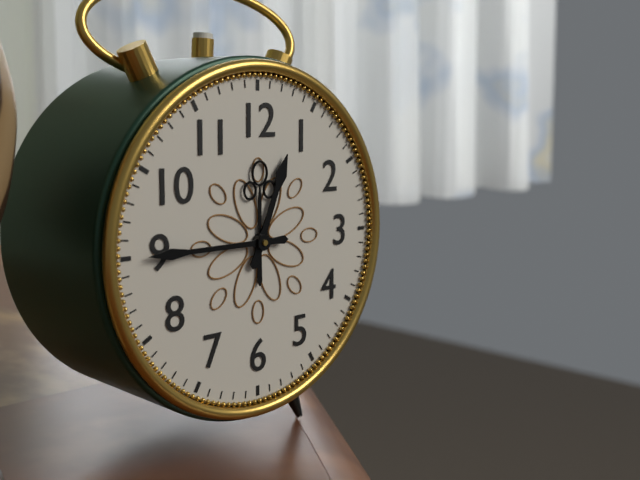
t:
12:45
